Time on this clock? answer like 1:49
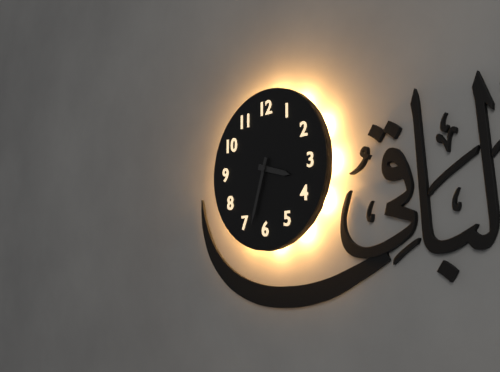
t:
3:33
